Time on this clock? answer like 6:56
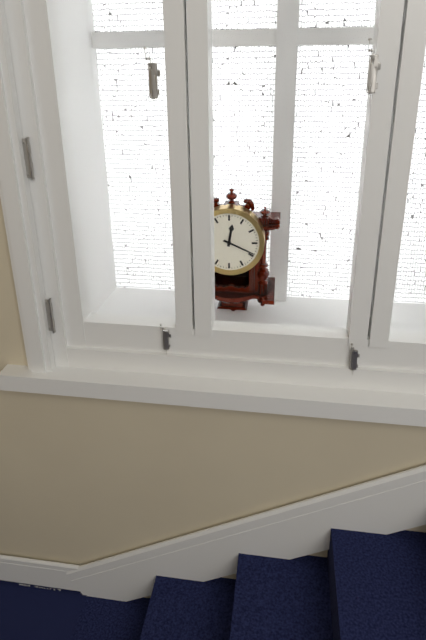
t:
12:19
